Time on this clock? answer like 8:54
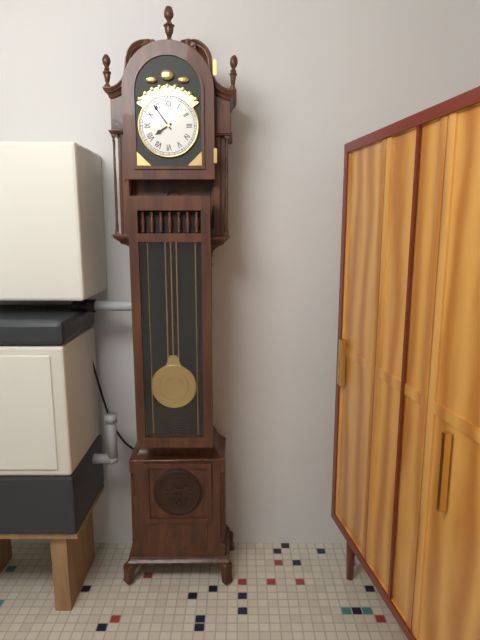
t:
7:54
